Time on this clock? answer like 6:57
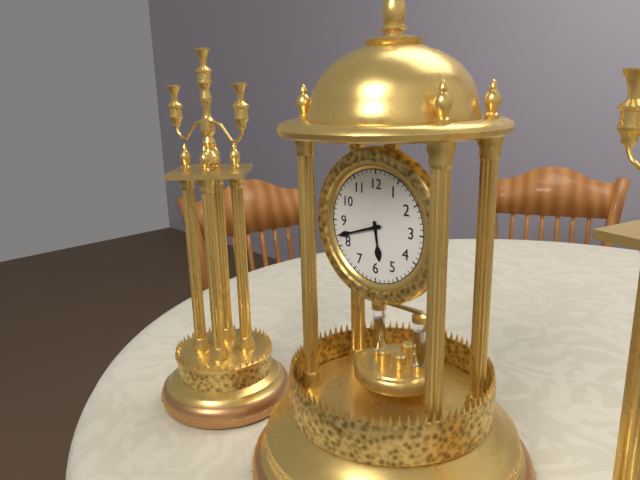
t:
5:42
